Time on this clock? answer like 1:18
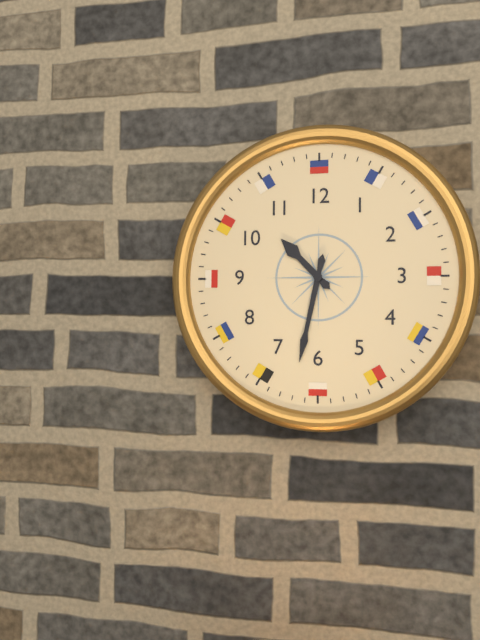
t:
10:32
